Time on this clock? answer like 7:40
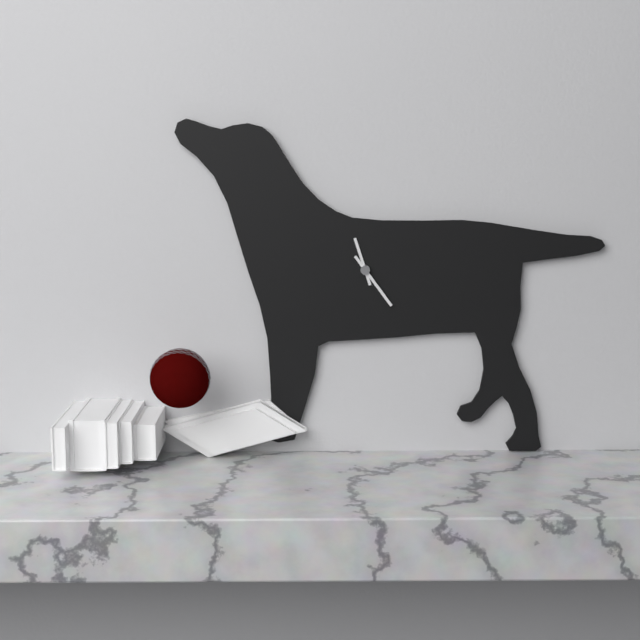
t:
11:24
